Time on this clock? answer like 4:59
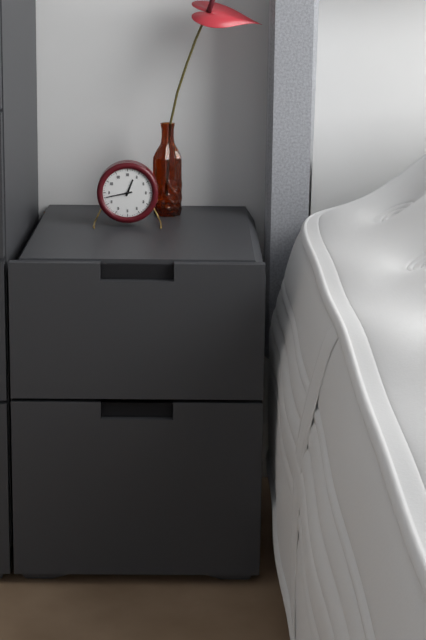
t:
12:43
